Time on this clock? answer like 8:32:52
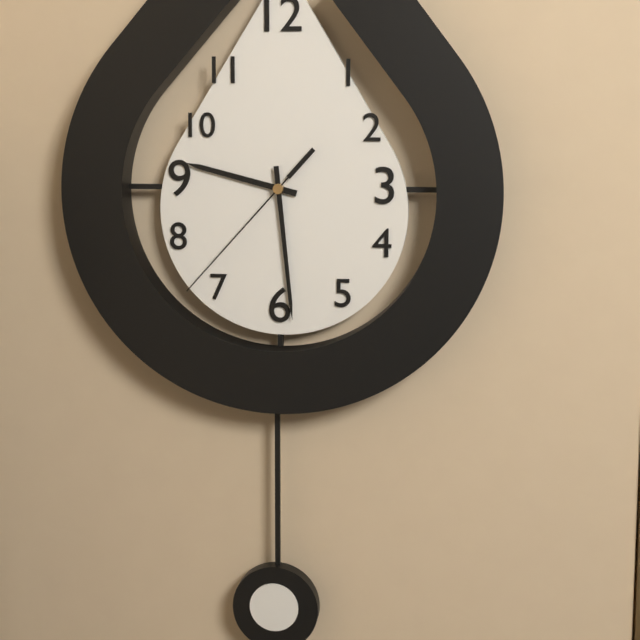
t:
9:29:37
